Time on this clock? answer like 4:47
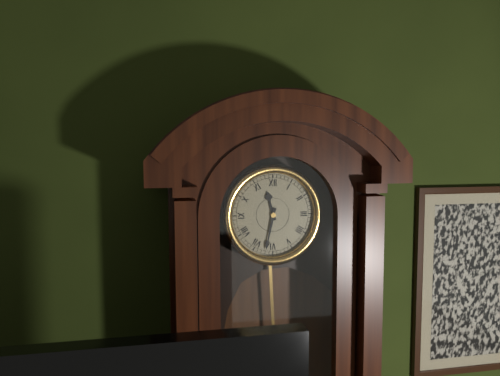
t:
11:32
